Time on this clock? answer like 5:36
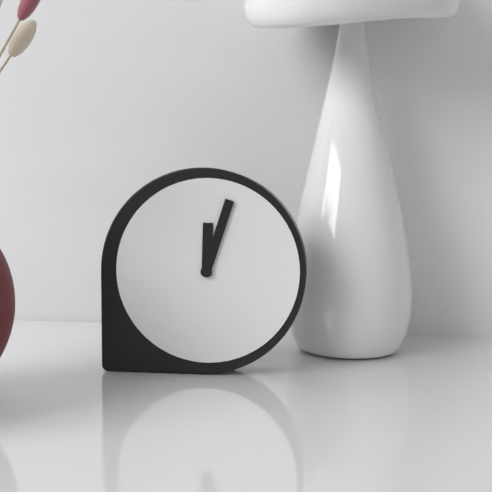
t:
12:03
